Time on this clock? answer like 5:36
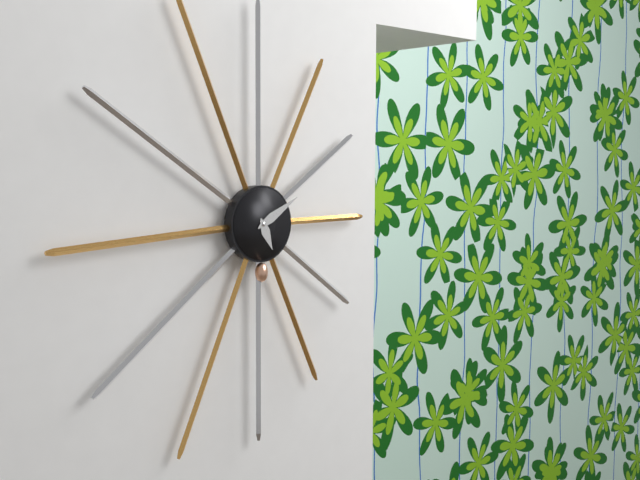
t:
5:10
